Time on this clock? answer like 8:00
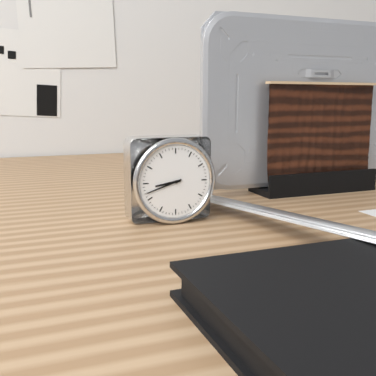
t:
8:42
